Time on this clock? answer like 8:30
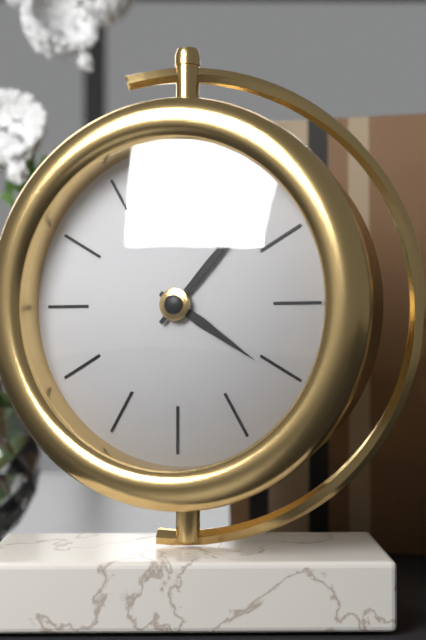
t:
4:07
